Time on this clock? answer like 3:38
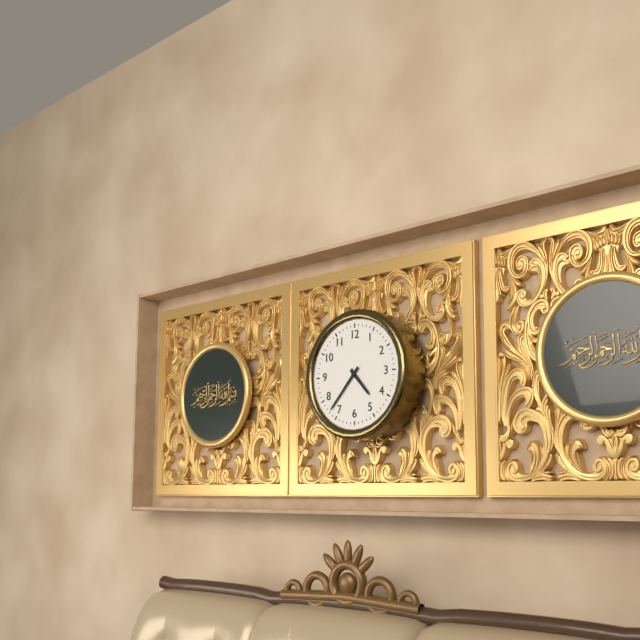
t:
4:37
